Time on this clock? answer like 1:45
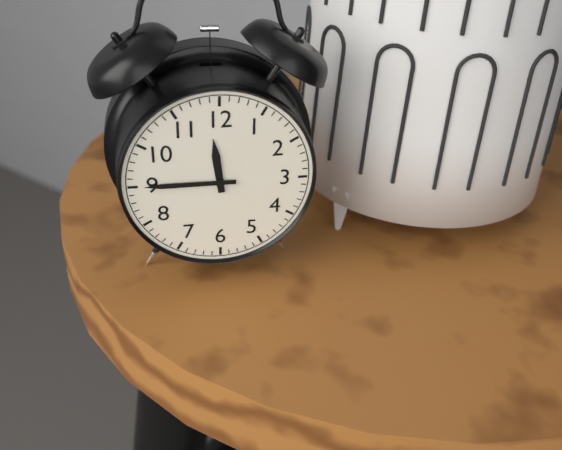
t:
11:45
